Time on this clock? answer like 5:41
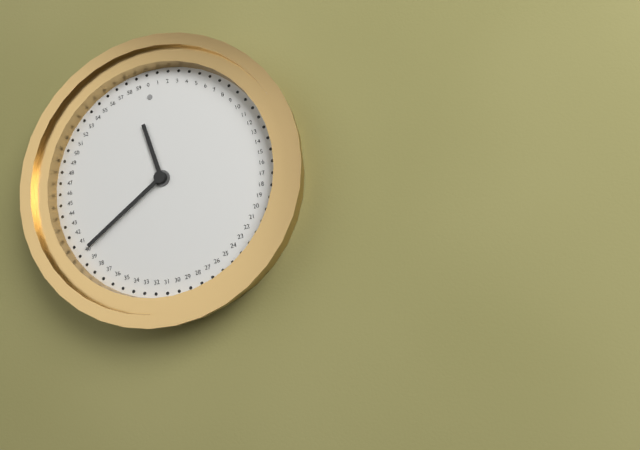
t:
11:40
